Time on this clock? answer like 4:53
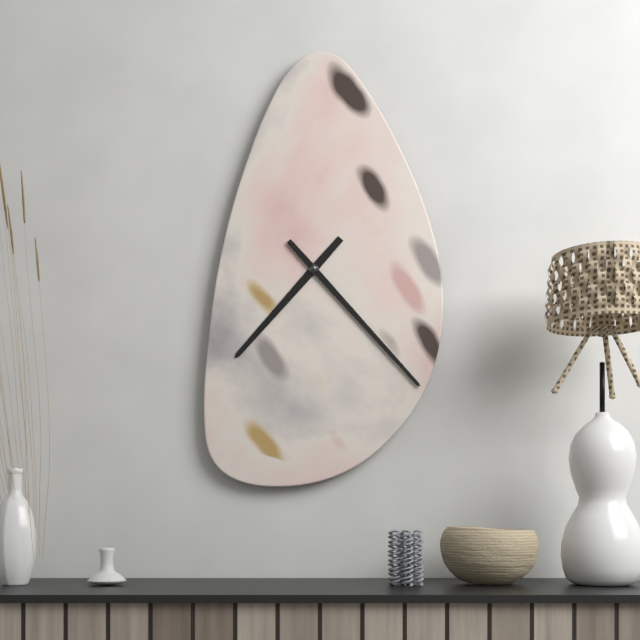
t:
7:23
